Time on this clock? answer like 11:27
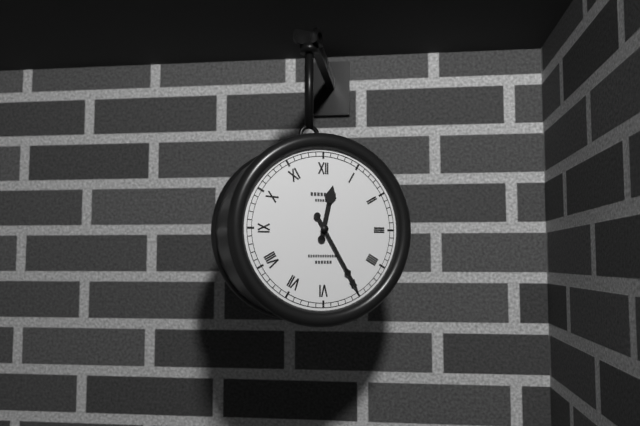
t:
12:25
